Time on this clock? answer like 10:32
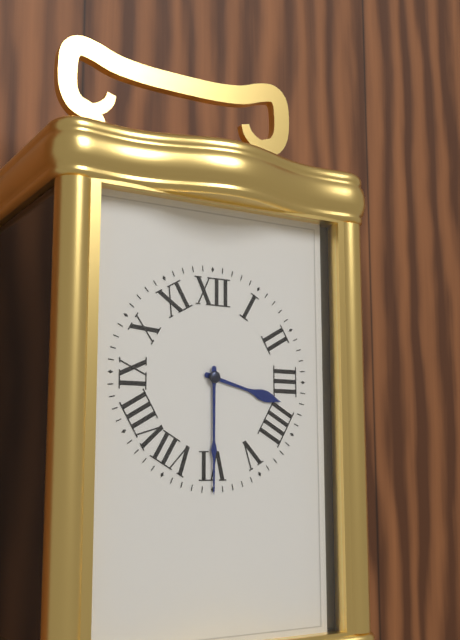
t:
3:30
